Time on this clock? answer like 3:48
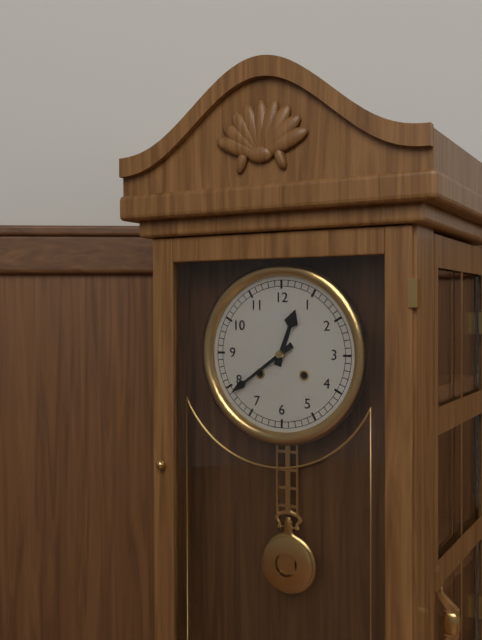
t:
12:39
